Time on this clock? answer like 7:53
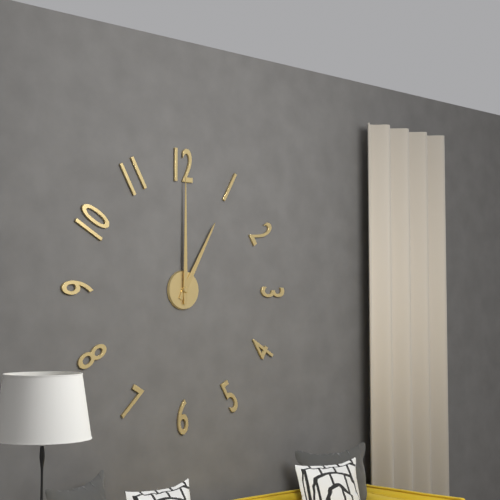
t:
1:00
